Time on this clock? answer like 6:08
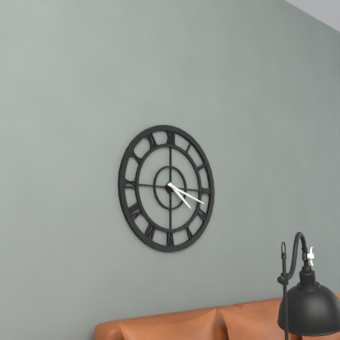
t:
4:18
